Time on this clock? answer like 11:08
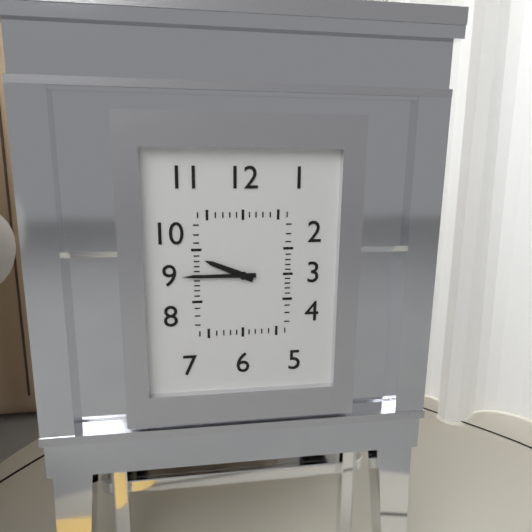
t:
9:45
